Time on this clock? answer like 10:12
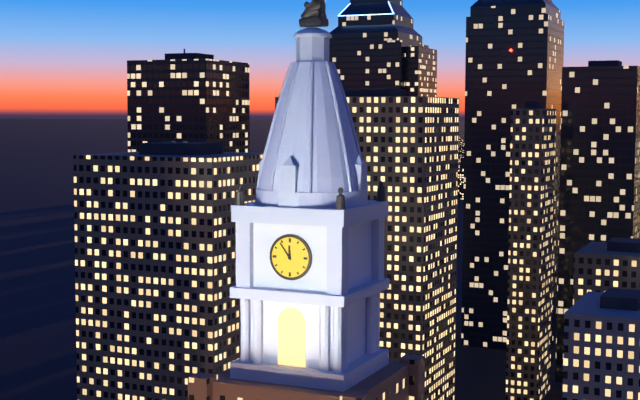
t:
11:54
